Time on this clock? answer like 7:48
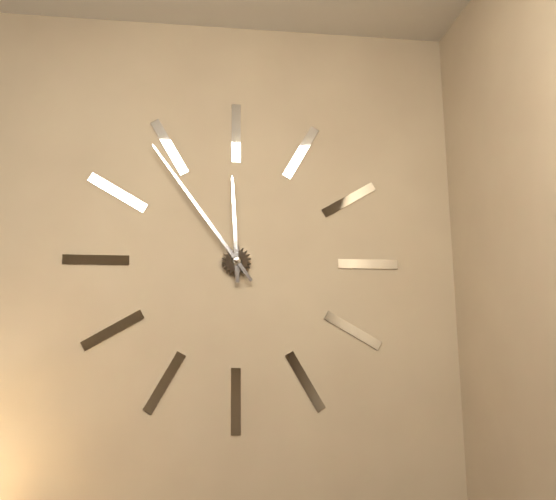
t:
11:54
